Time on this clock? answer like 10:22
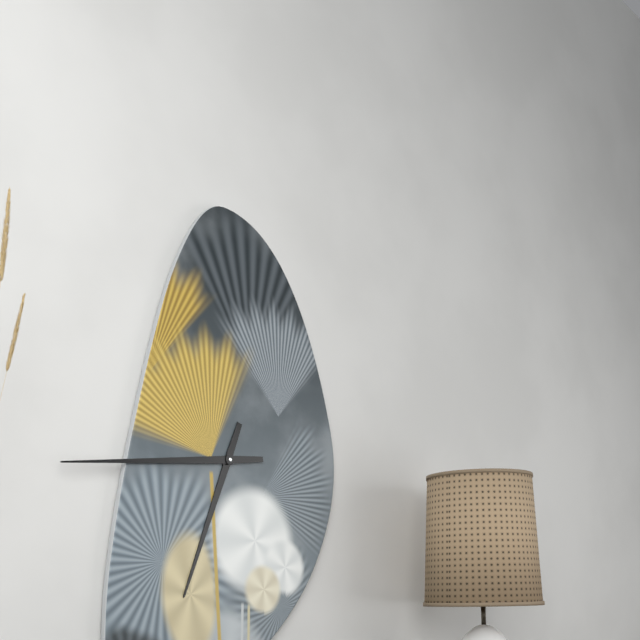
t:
6:44
